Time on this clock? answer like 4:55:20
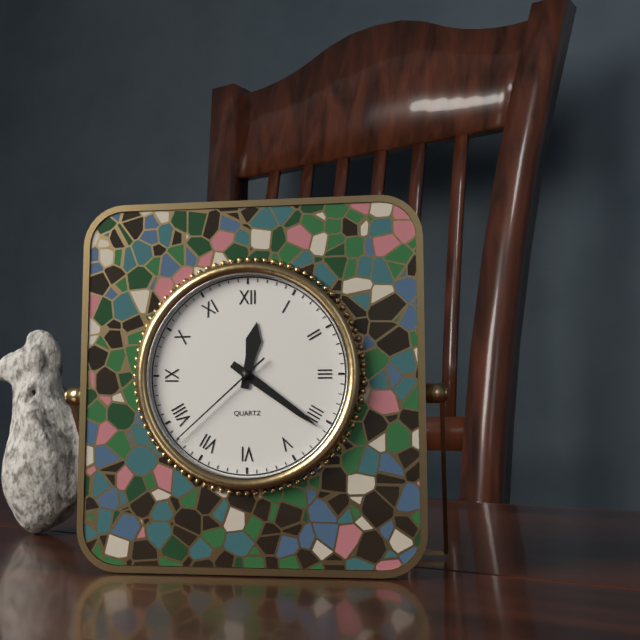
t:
12:21:38
